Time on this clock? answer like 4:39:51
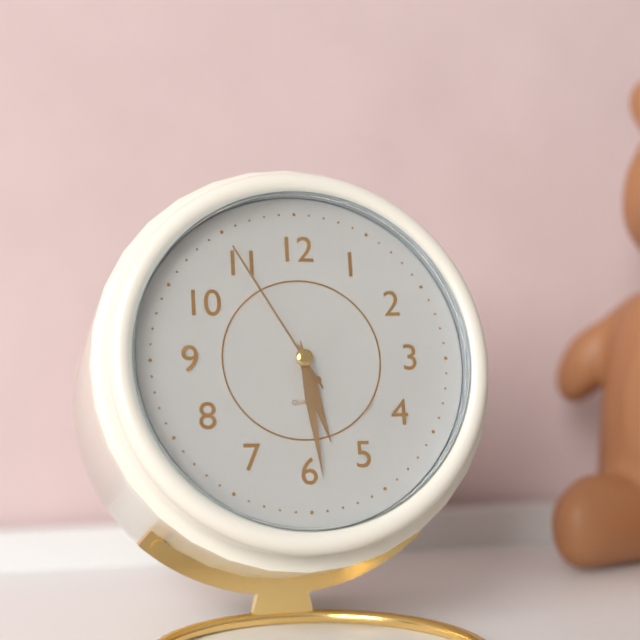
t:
5:29:55
